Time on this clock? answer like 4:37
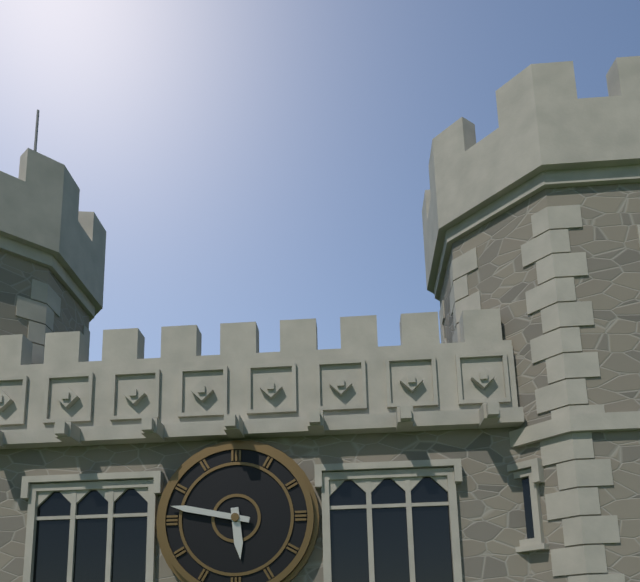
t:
5:47
